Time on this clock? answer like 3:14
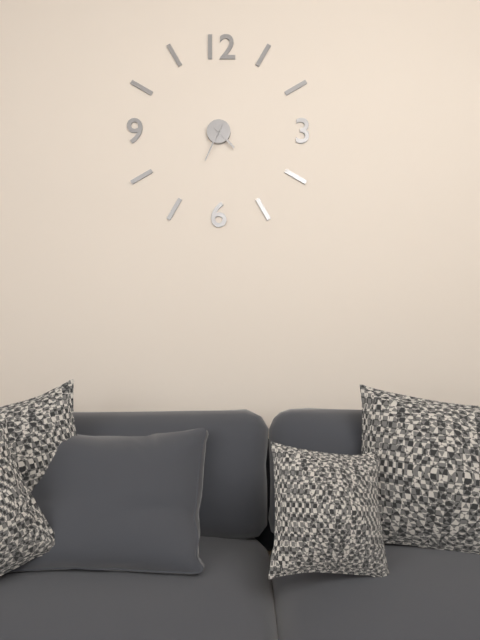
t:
4:34
